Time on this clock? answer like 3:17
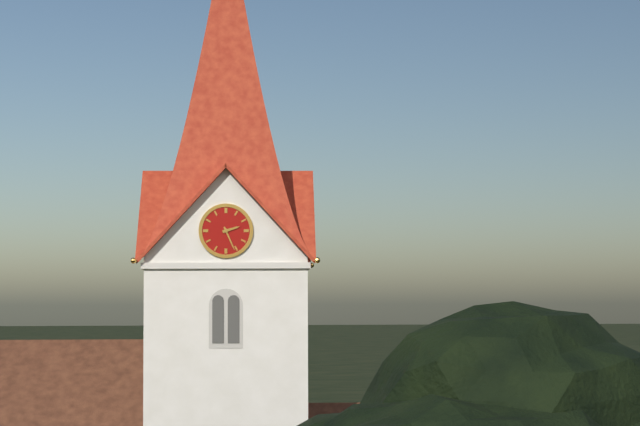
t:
2:26
